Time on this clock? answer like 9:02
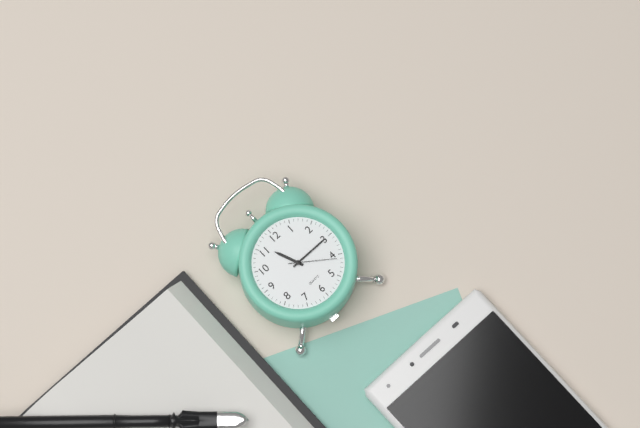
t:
11:15
